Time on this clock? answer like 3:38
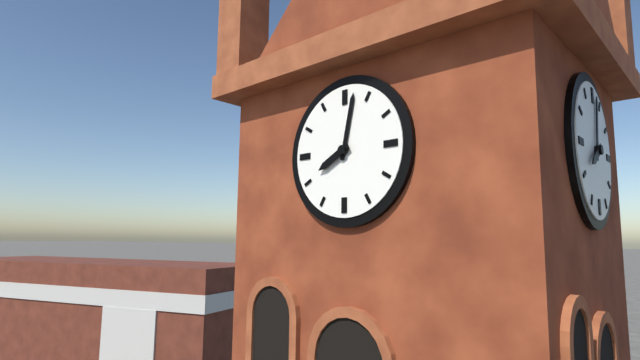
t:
8:02
